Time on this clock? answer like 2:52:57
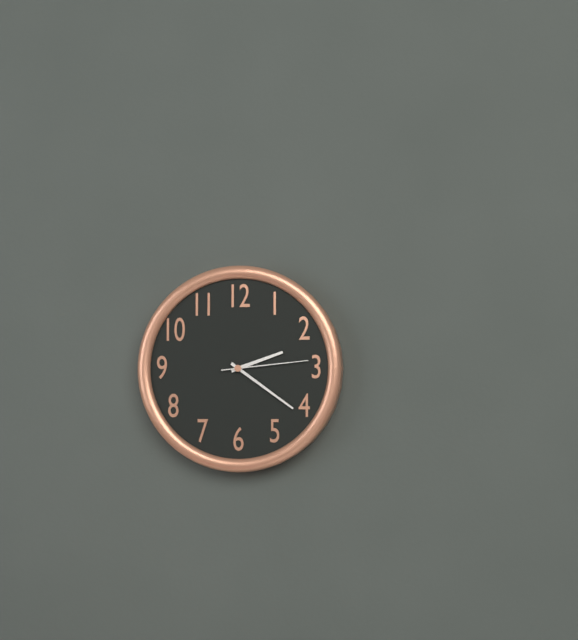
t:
2:21:14
